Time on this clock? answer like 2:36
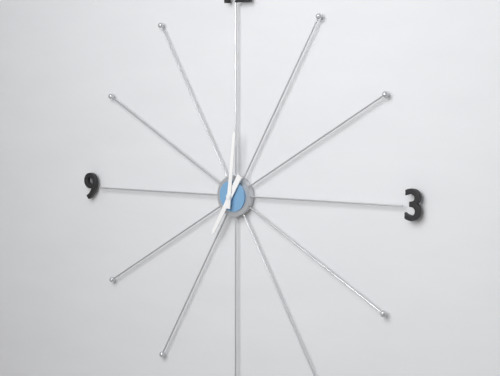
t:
7:01
